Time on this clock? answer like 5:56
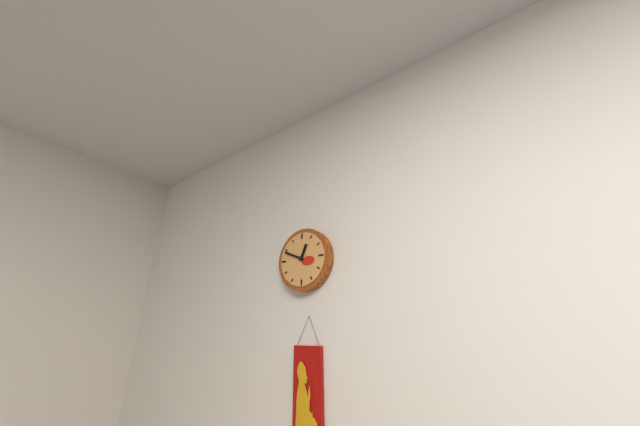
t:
12:49
